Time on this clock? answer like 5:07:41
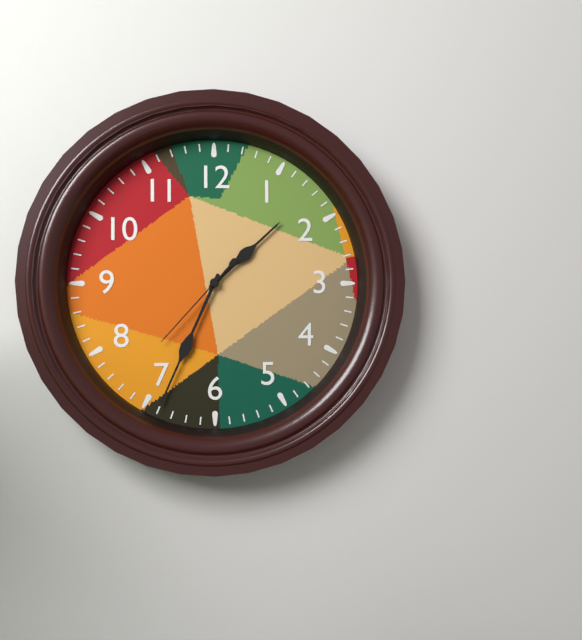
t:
1:34:37
